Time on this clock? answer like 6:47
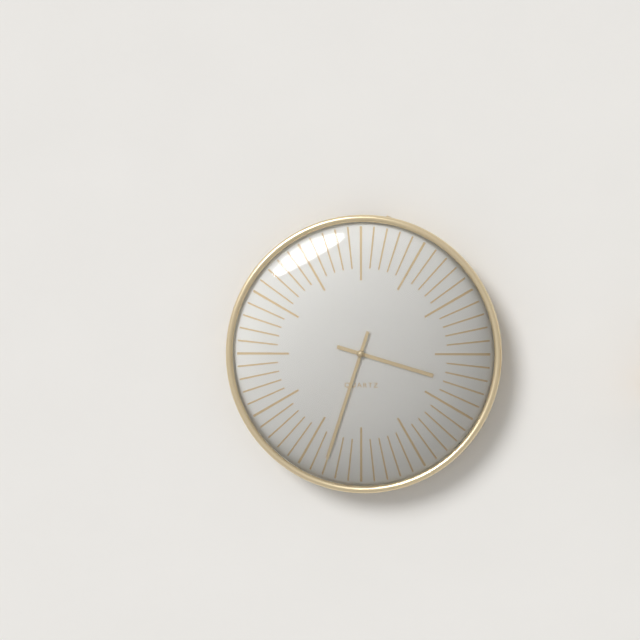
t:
3:33
